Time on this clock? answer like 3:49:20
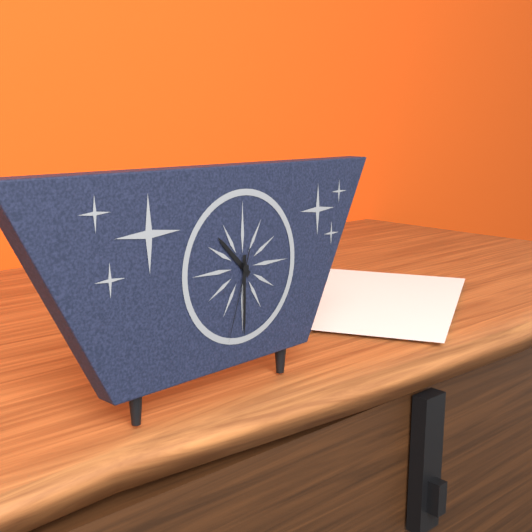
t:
10:30:33
